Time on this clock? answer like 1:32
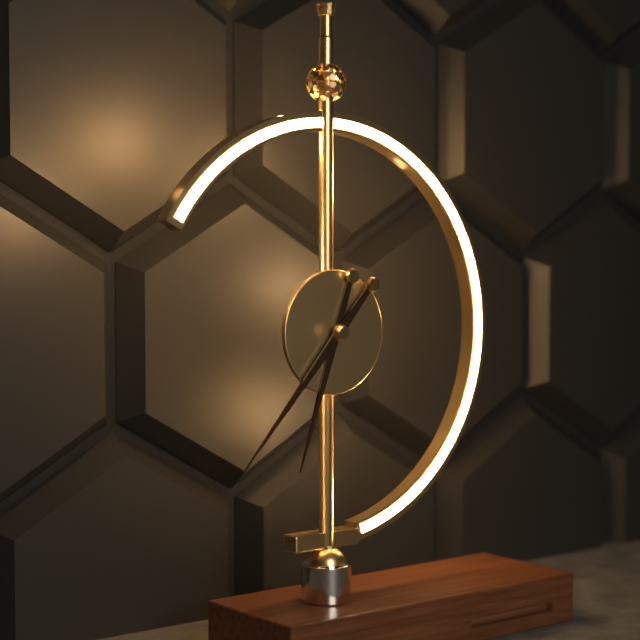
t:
6:37
